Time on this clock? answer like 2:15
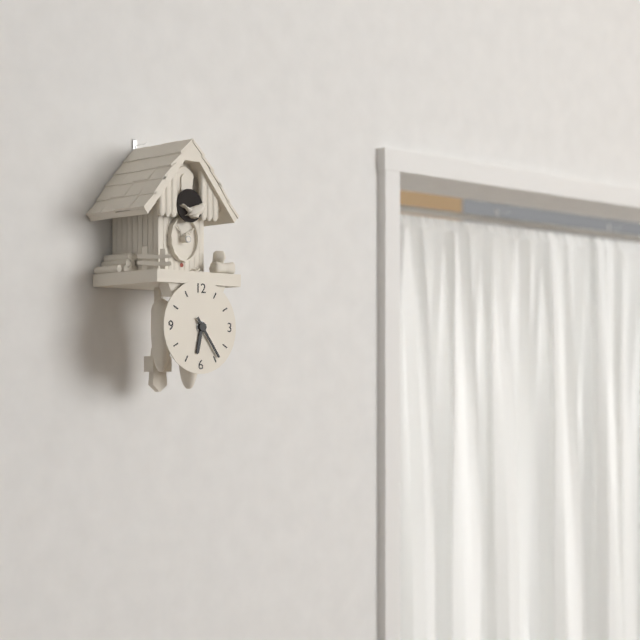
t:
6:24
